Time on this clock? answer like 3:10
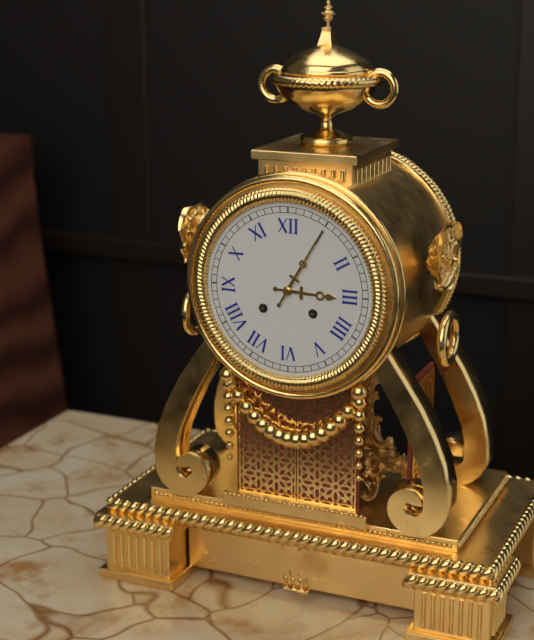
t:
3:05
